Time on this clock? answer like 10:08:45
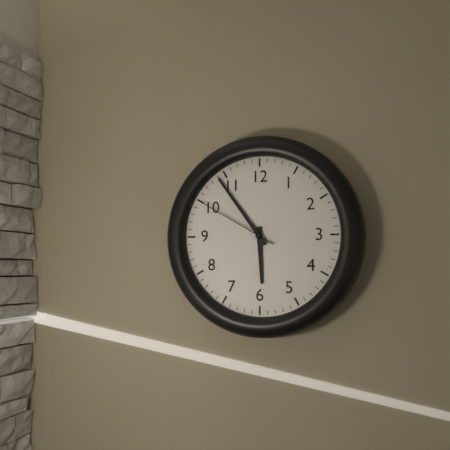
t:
5:54:50
